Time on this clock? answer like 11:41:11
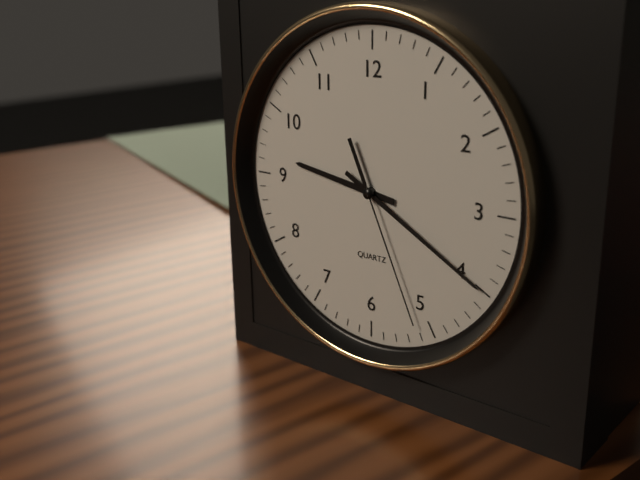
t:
9:20:26
